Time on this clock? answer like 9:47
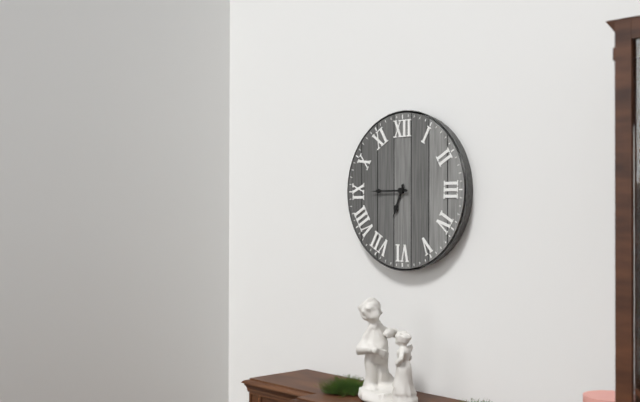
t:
6:45
